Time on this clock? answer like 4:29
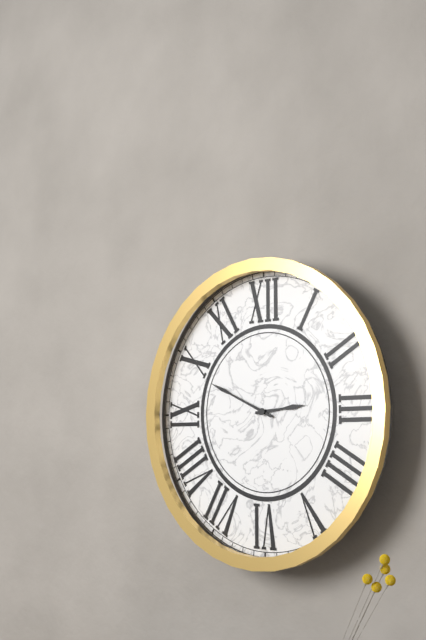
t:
2:49
